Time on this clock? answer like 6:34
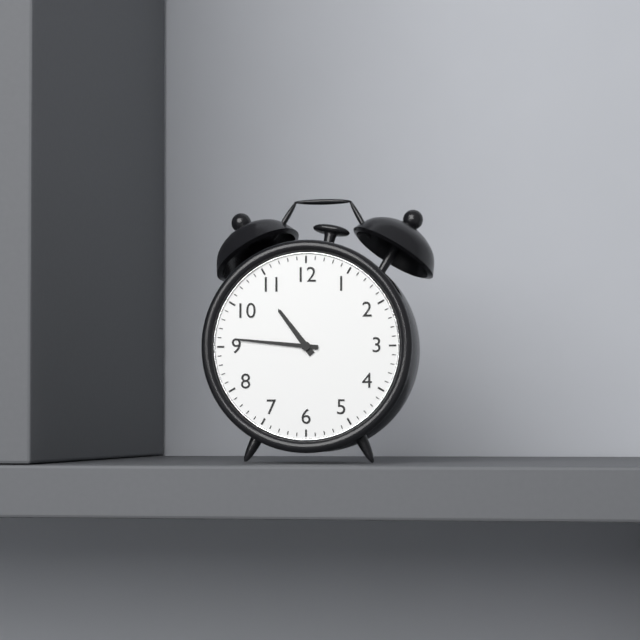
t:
10:46
